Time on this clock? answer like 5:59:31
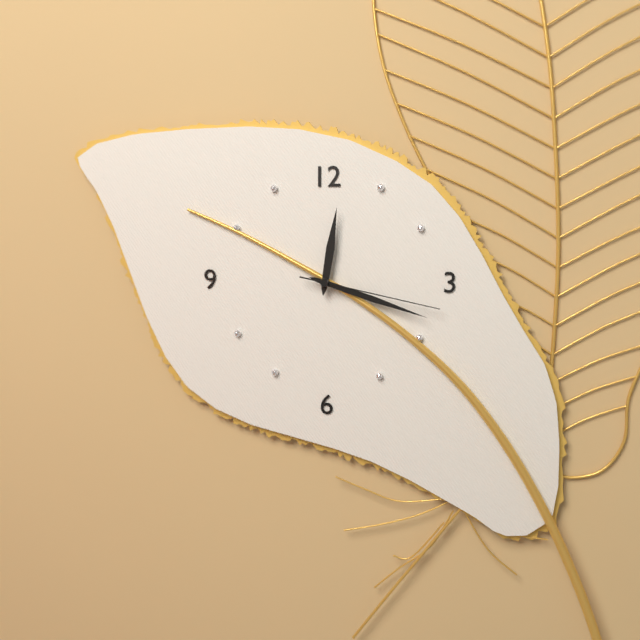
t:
12:18:17
